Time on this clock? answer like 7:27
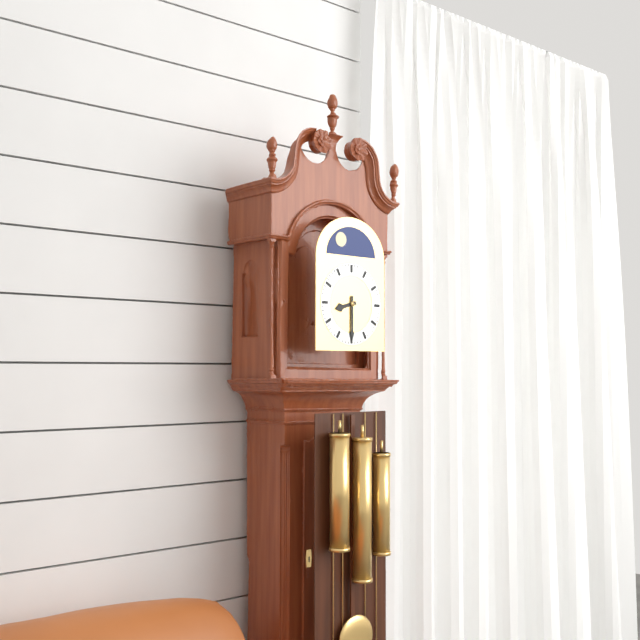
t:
8:30
